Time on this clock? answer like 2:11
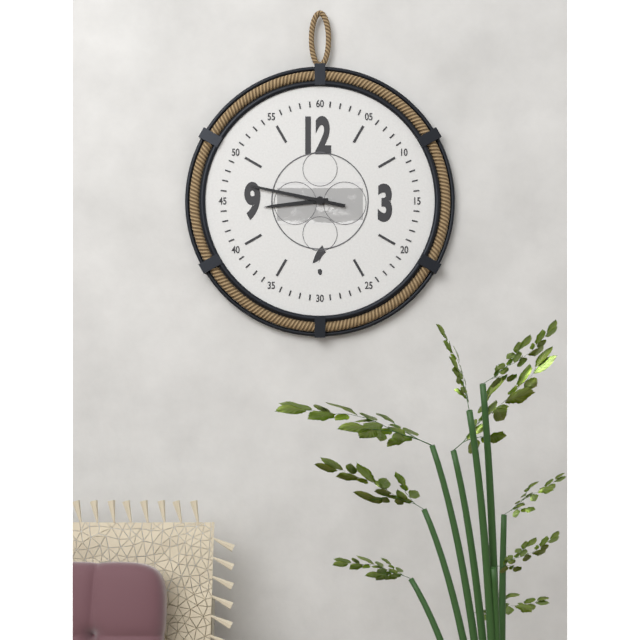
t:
8:47
